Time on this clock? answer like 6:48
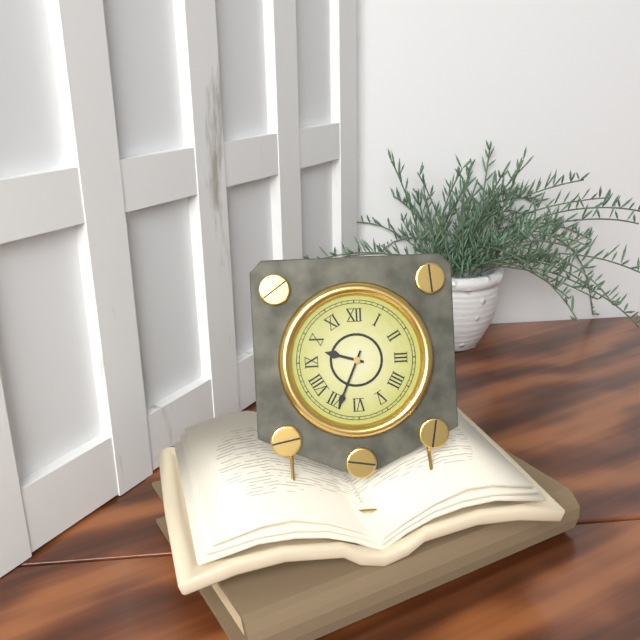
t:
9:34
